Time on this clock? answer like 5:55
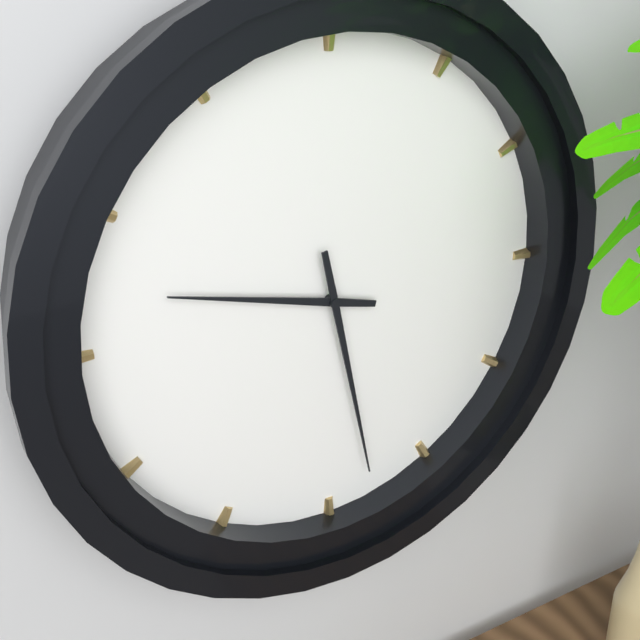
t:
9:28
